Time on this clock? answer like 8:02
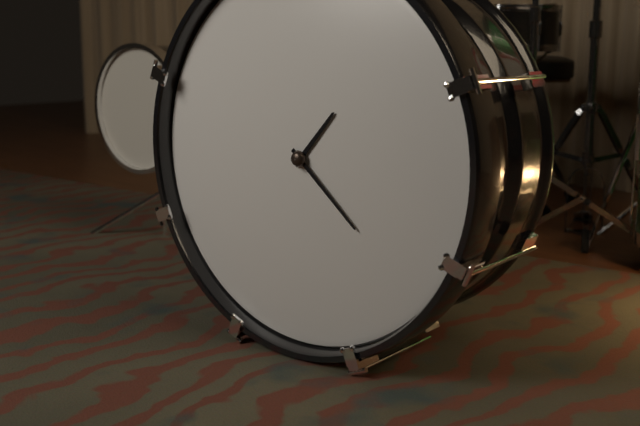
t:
1:22
